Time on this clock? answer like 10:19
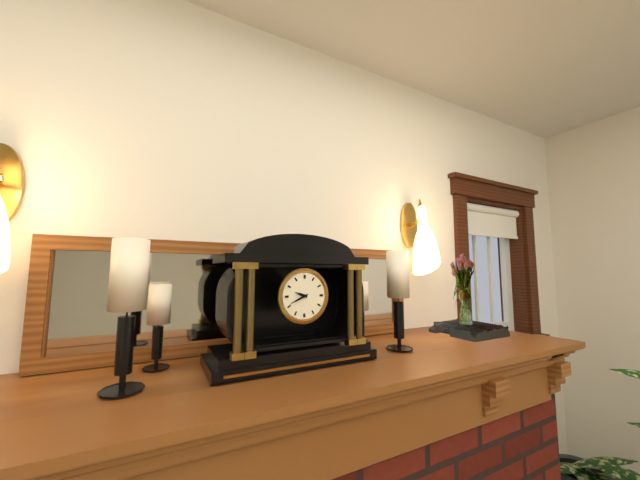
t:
9:41
